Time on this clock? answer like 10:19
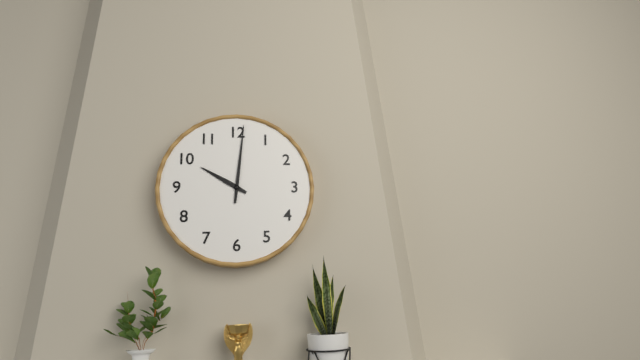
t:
10:01
